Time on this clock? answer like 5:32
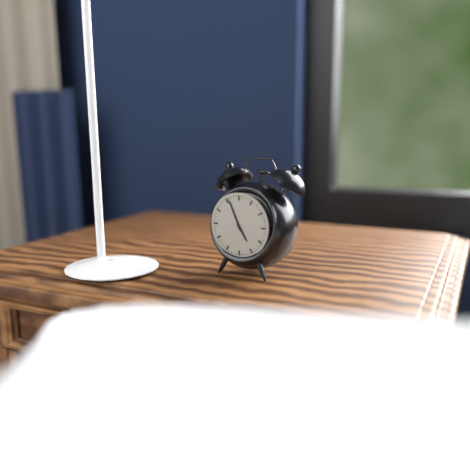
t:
4:56
